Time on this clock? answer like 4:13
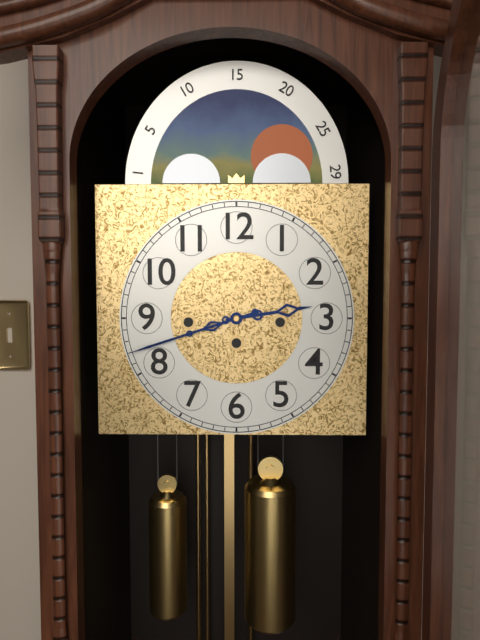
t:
2:42
